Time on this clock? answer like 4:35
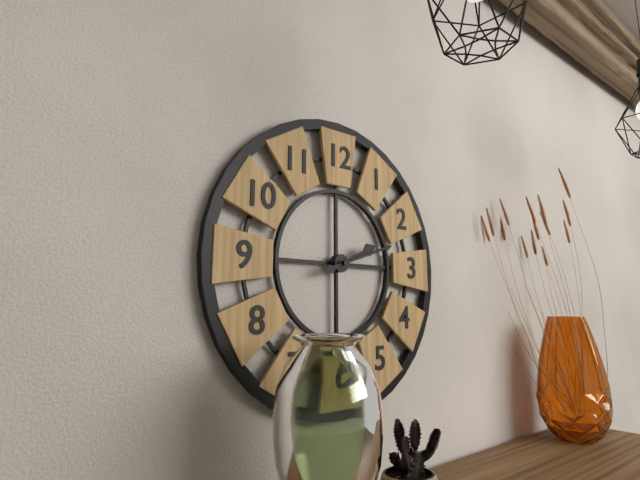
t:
2:12
